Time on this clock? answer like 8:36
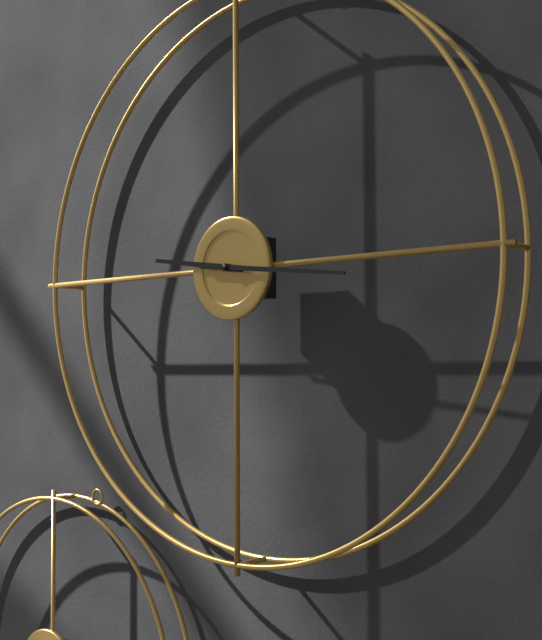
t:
9:16
